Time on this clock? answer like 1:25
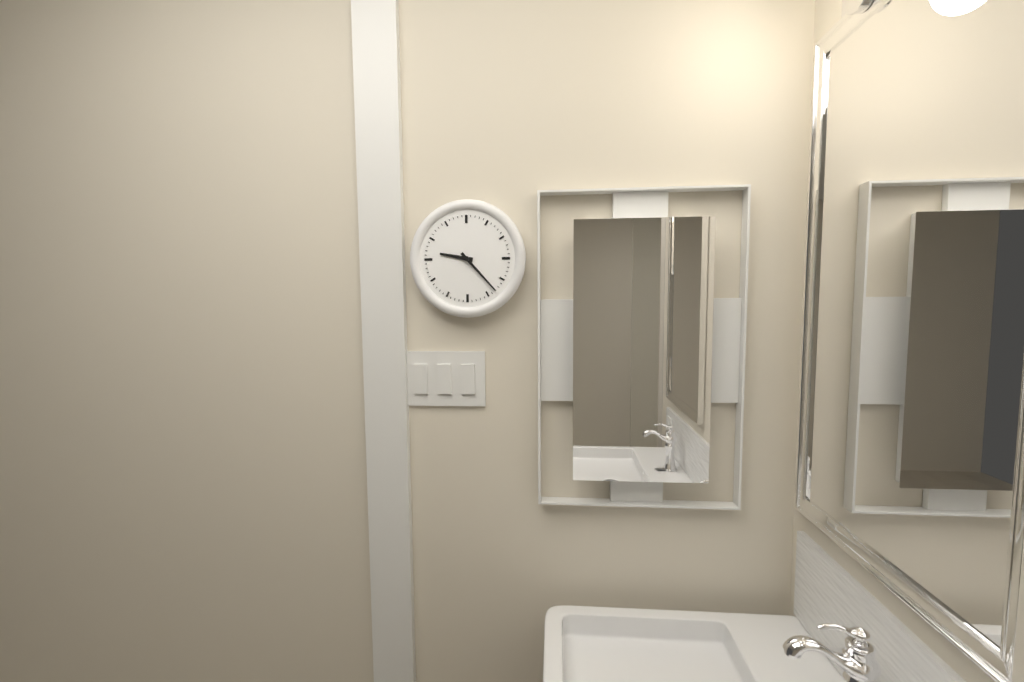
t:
9:23
